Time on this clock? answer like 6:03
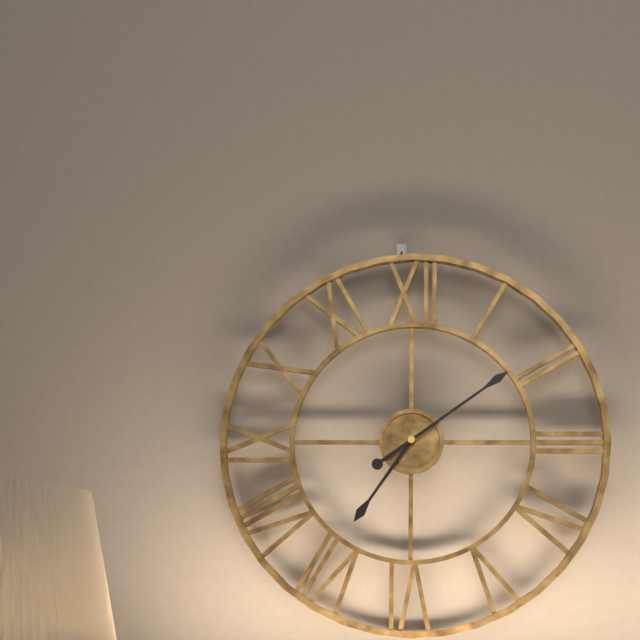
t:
7:09
